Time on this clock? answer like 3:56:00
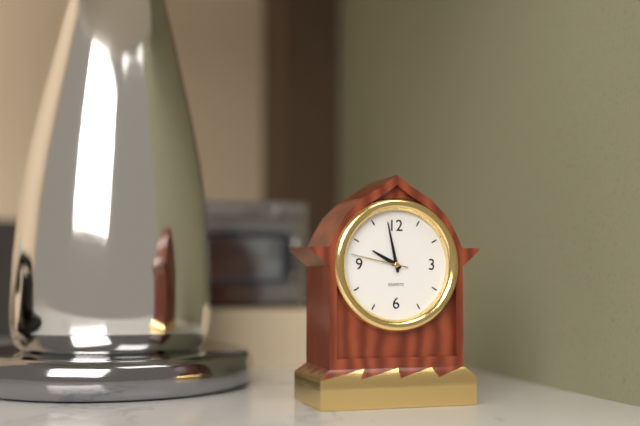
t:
9:58:47
